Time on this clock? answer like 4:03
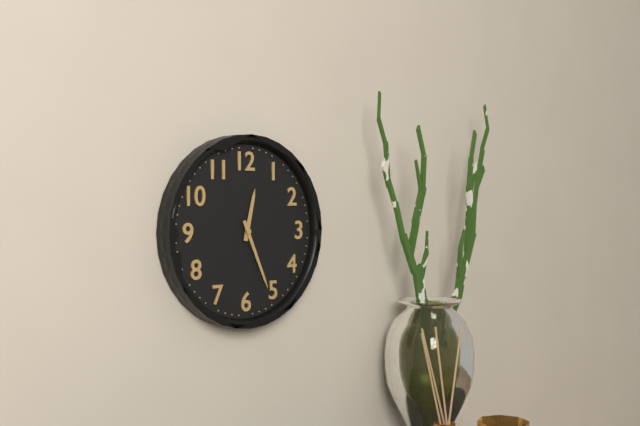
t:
12:26
